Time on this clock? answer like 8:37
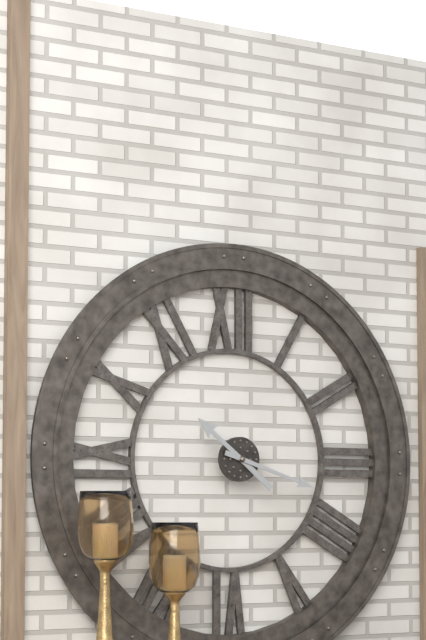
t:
10:18
